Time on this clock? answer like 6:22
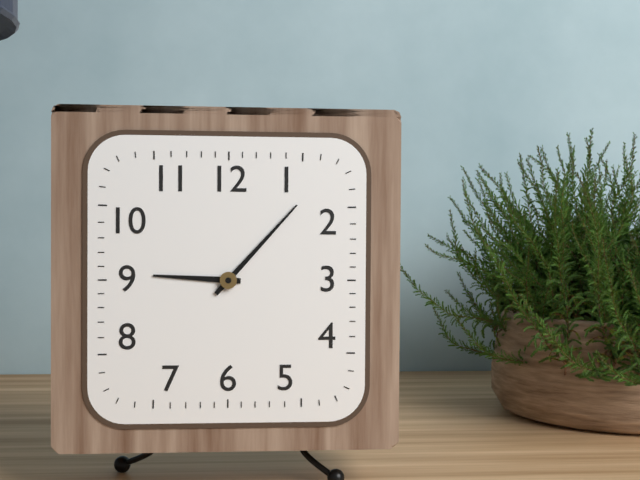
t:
9:07
